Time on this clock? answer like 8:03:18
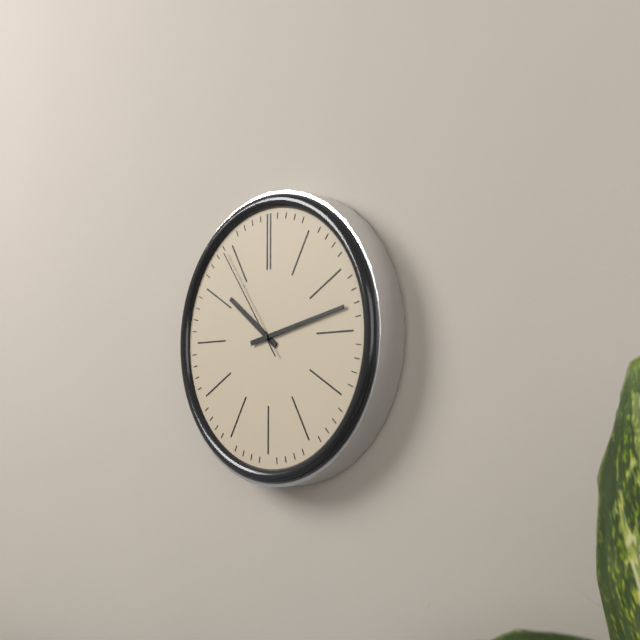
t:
10:13:54
